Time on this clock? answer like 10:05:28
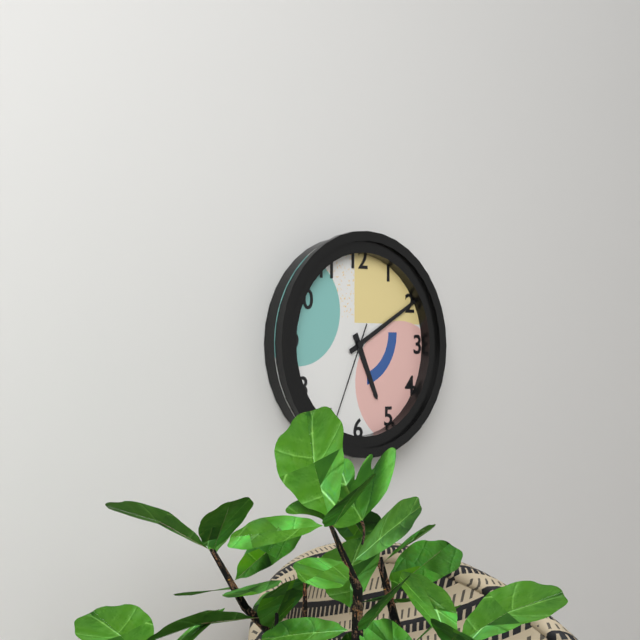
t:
5:10:34
